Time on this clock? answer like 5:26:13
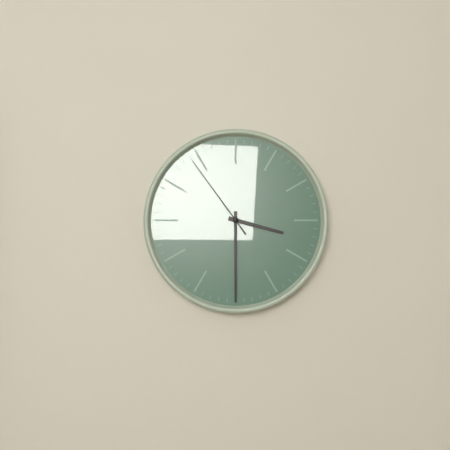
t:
3:30:54
